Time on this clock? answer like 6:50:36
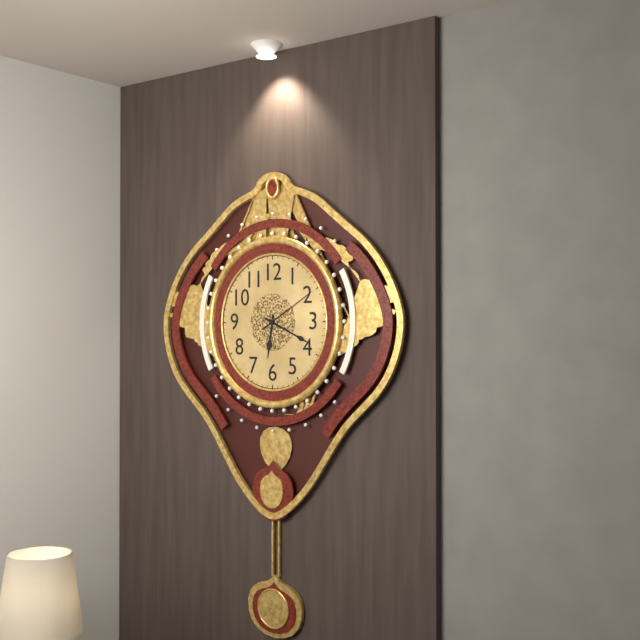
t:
6:19:10
